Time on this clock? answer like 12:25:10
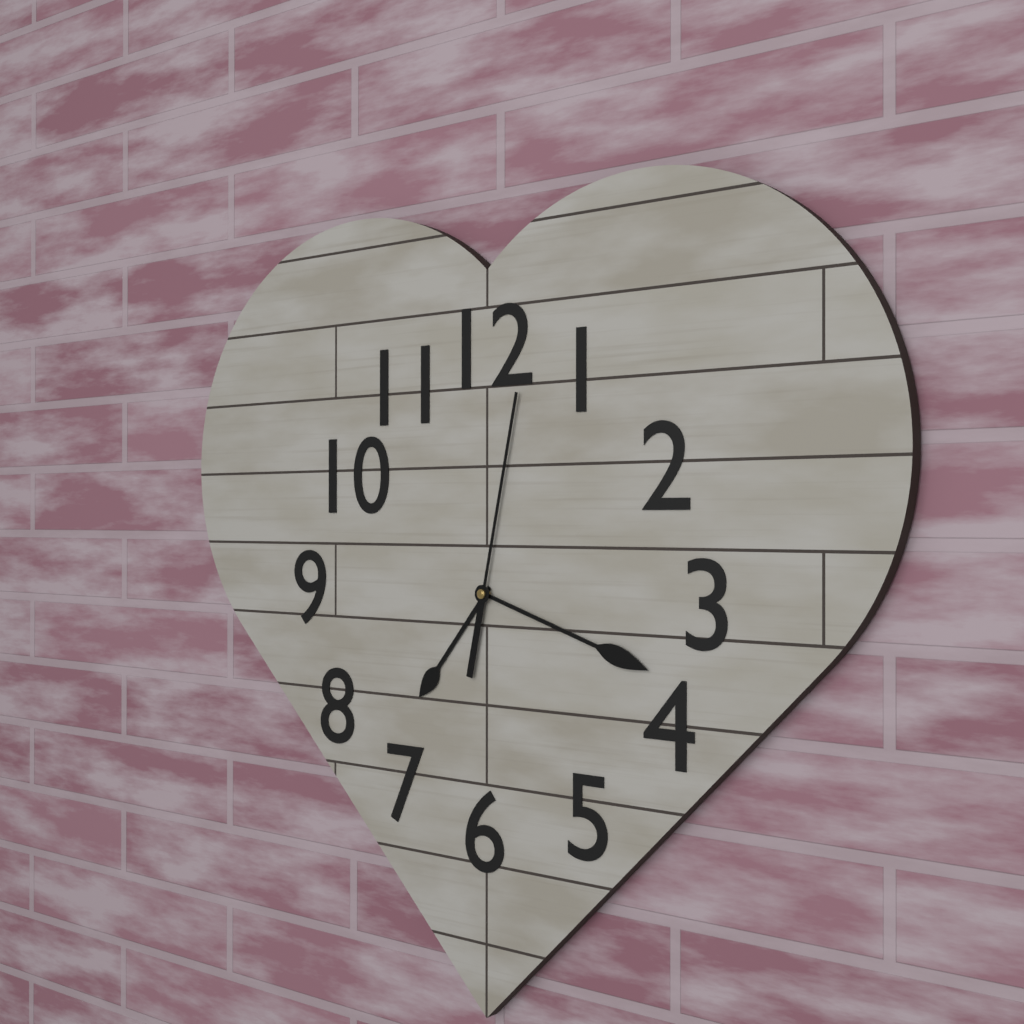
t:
7:18:02
